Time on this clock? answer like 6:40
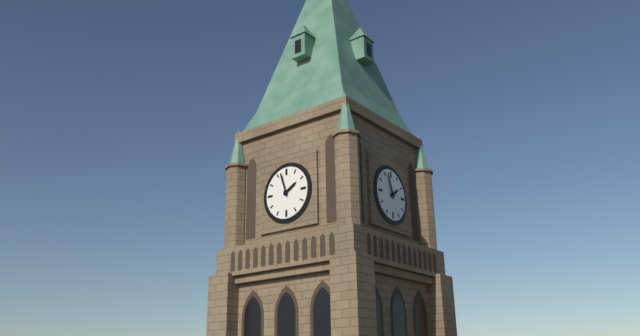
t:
1:57
